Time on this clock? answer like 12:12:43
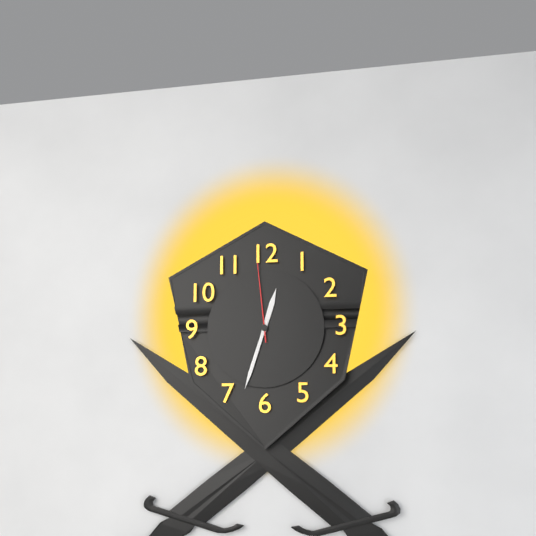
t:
12:33:59
